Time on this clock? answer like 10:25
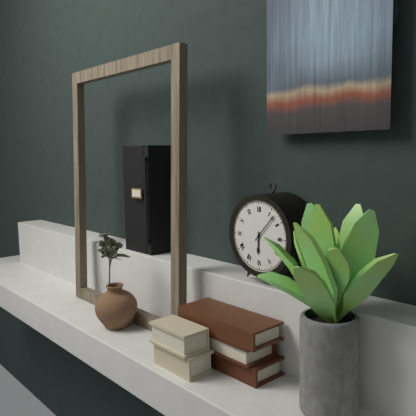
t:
6:07
